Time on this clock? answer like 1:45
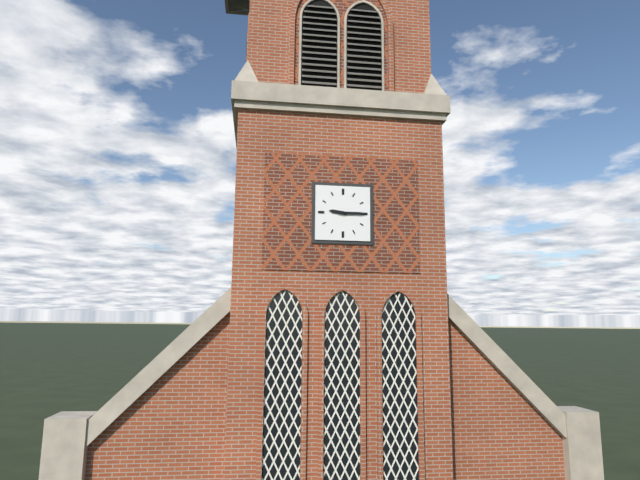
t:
9:15
